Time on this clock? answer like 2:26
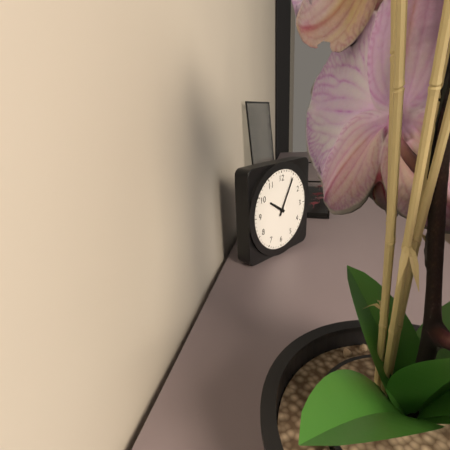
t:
10:05
